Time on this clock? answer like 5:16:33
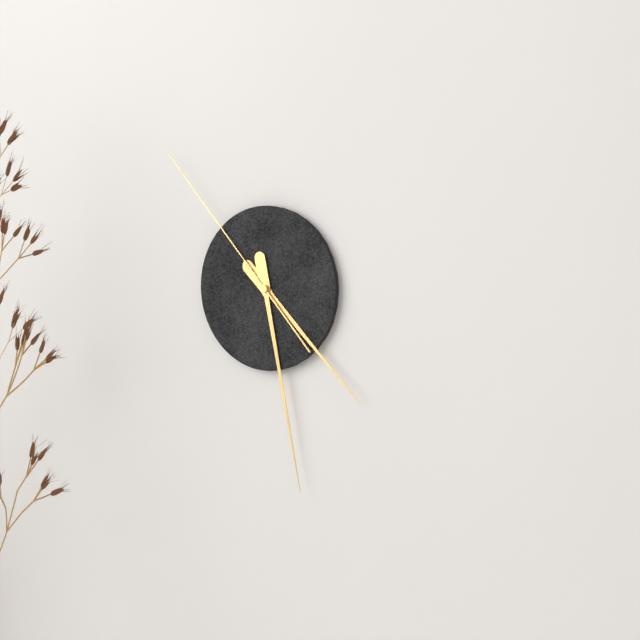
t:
4:28:53
